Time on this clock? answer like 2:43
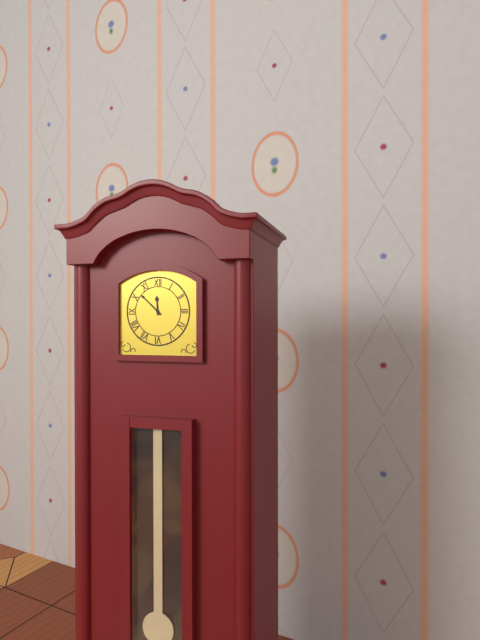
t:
11:52
